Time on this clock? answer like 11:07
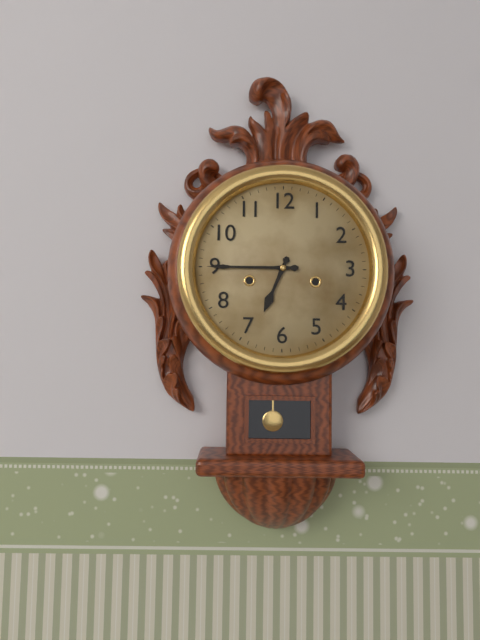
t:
6:45
